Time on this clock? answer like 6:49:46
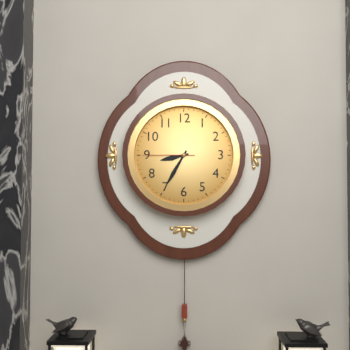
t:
8:35:45
